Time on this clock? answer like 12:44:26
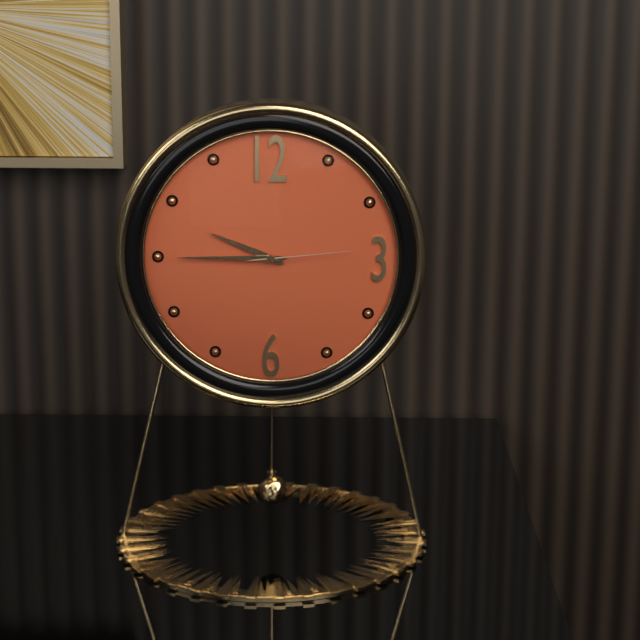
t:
9:45:14
